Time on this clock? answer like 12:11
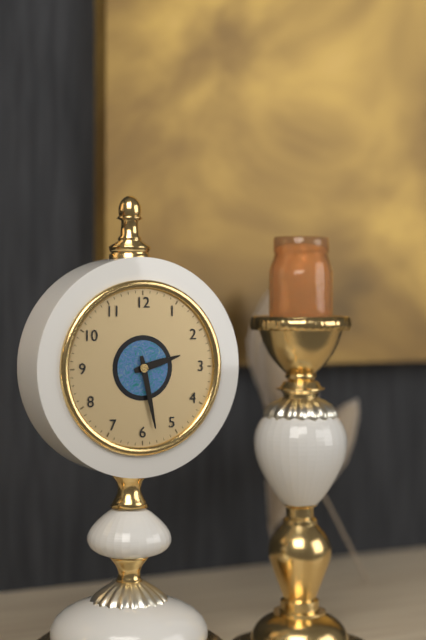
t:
2:28
